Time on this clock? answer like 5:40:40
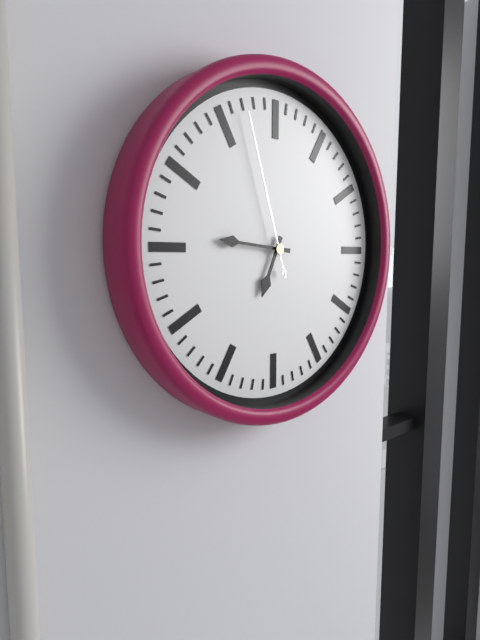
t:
6:46:57
